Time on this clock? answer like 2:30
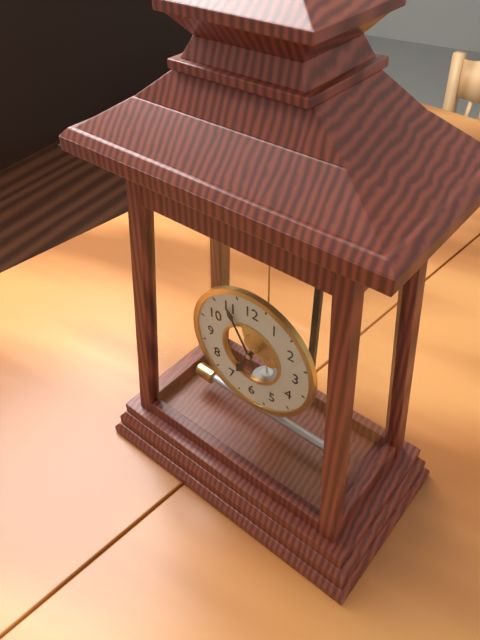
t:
6:55
